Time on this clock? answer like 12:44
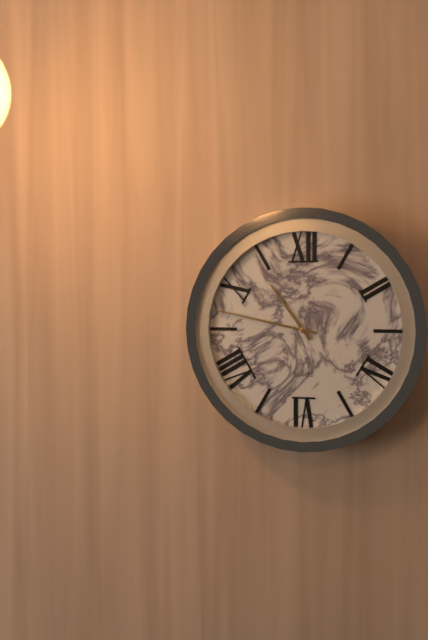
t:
10:47
